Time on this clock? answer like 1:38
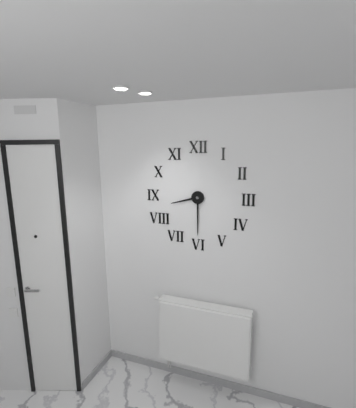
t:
8:30
